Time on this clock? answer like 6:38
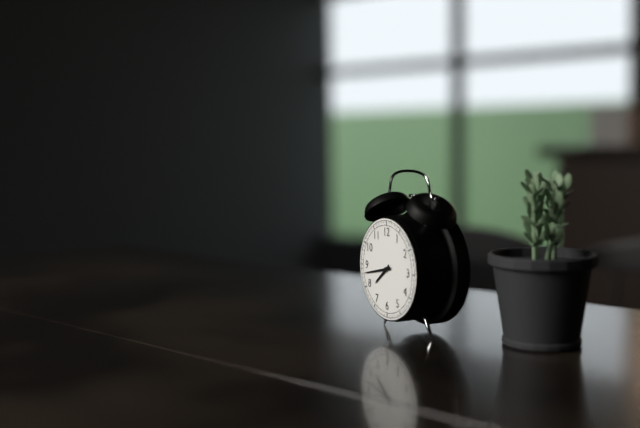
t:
7:43
